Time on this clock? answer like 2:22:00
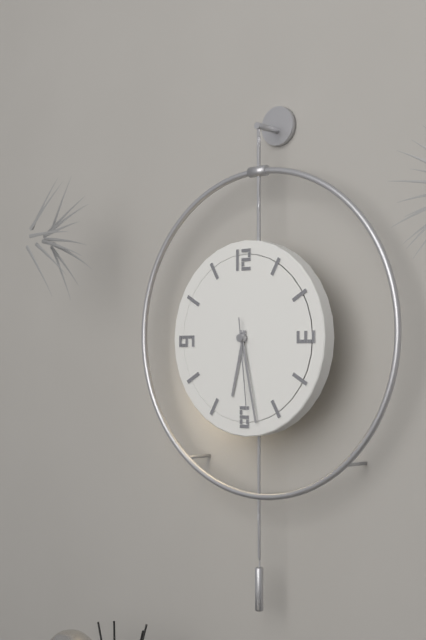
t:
6:28:29
